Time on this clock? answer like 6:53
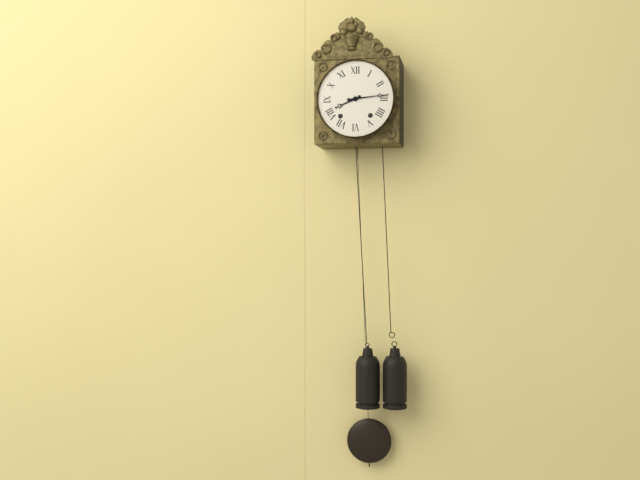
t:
8:14
